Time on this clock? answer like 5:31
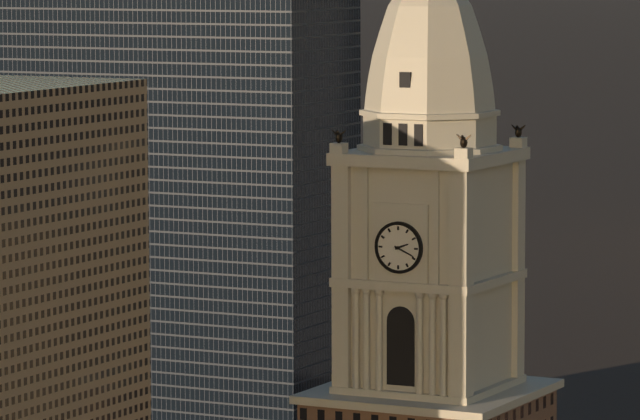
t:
2:19
